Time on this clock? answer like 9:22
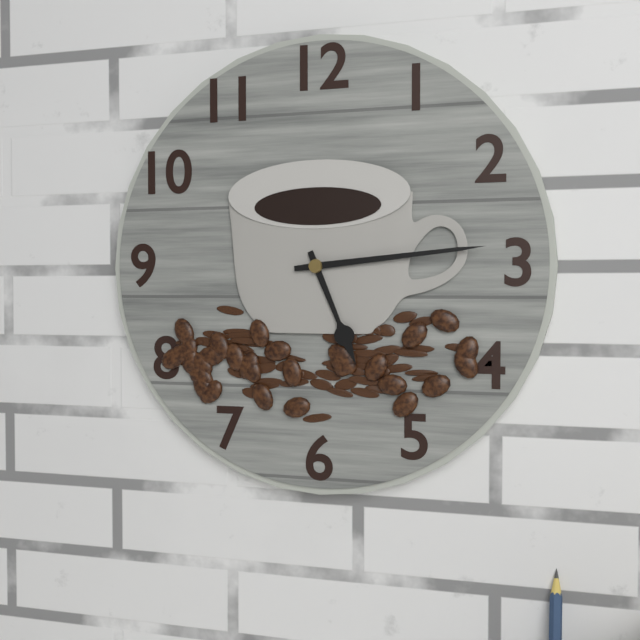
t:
5:14
